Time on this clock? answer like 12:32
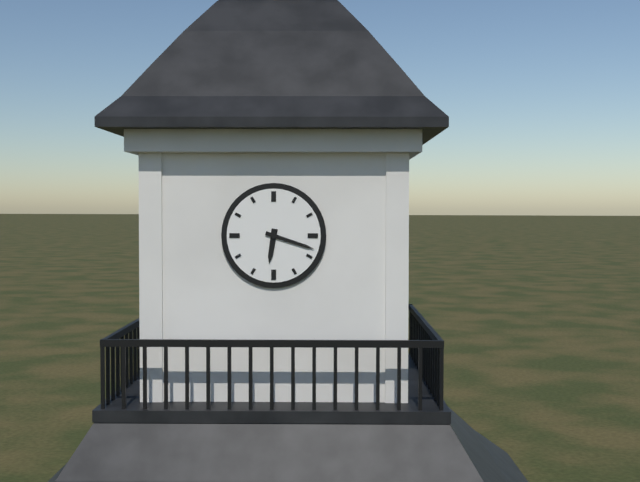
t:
6:18
